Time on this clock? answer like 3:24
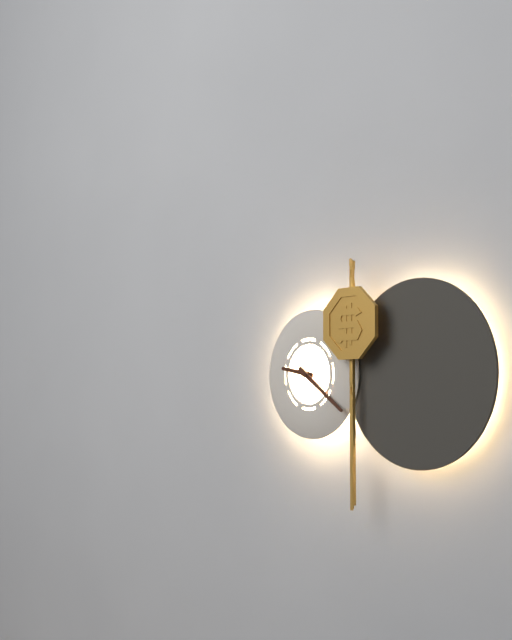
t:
9:21
